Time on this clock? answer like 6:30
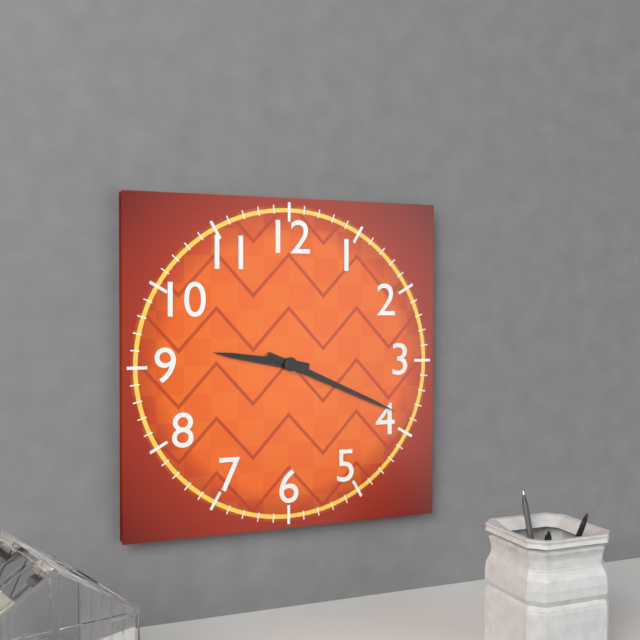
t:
9:19
